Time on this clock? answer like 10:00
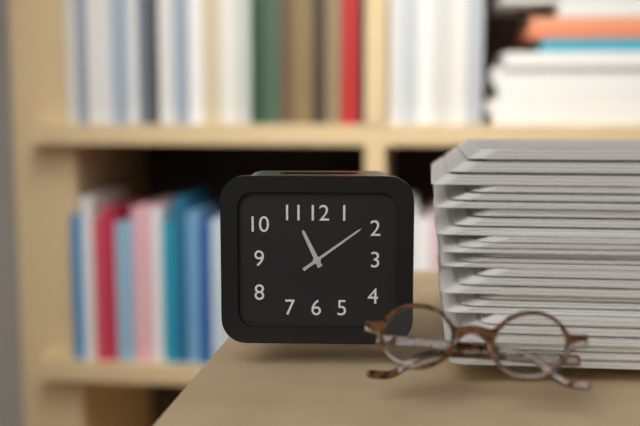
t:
11:09
